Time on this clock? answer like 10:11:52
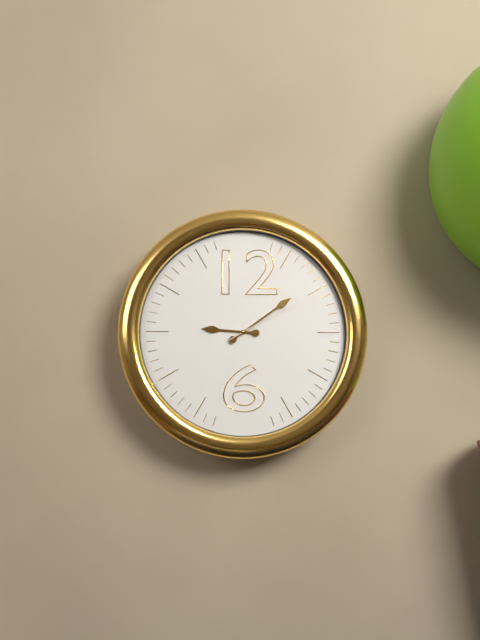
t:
9:09:10
